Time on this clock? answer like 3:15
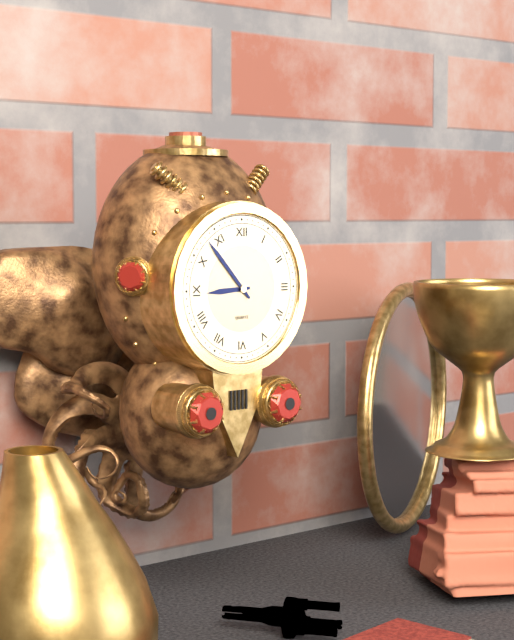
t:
8:53
